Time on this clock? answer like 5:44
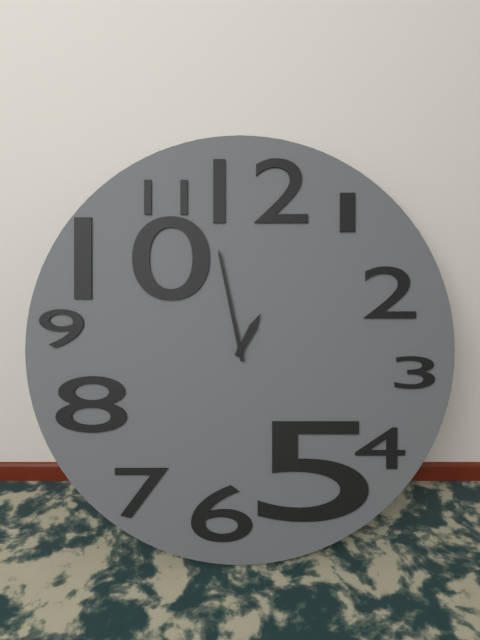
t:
12:58
